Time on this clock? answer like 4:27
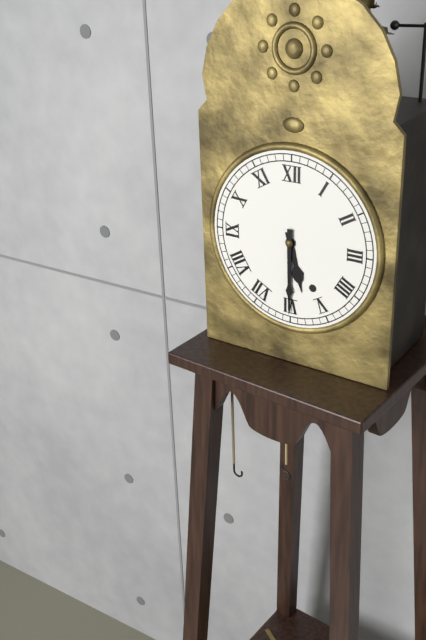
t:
5:30
